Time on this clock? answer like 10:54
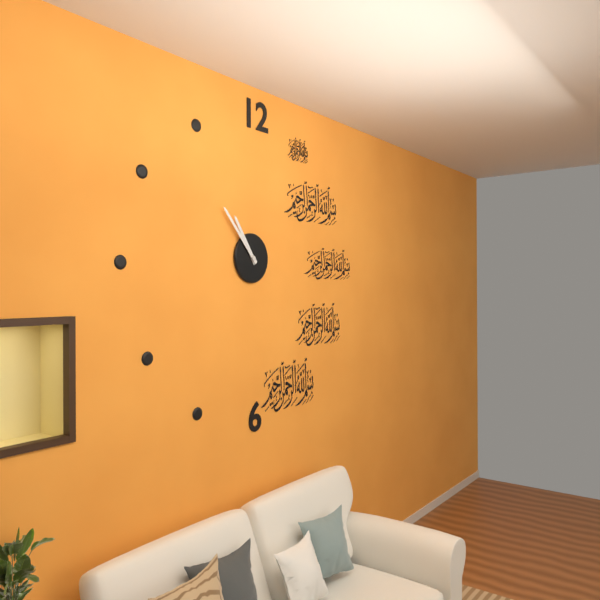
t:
10:53
